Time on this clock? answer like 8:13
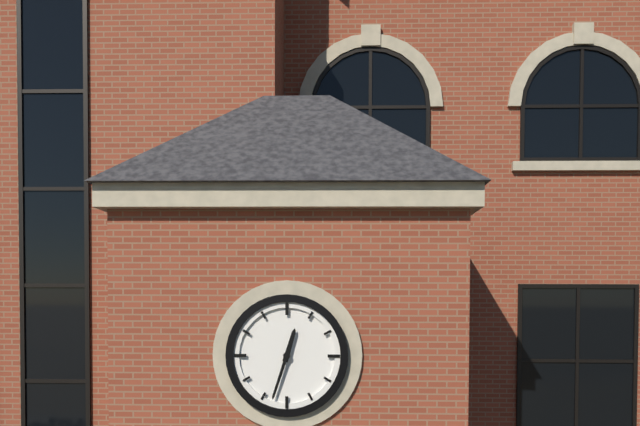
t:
12:33
